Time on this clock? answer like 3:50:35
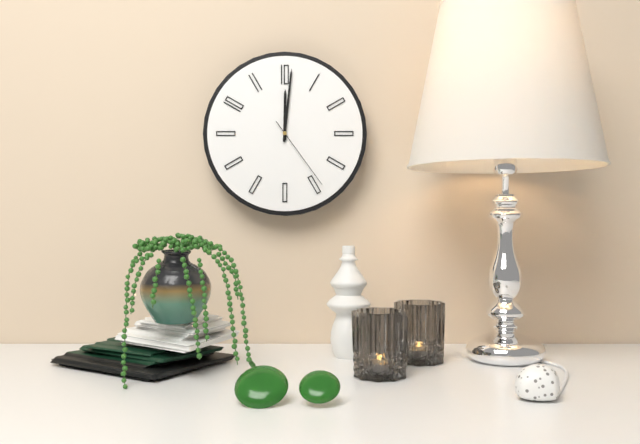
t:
12:01:24
